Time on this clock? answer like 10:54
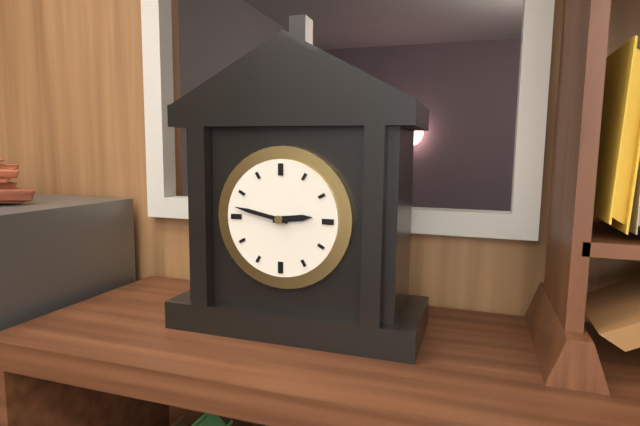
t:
2:47
